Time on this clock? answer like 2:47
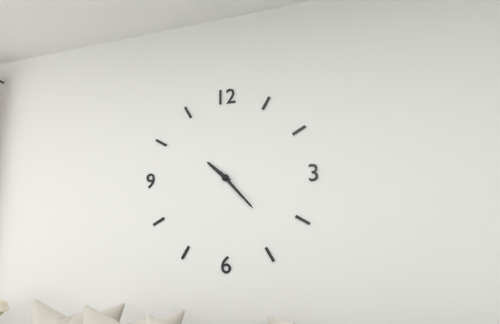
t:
10:23
